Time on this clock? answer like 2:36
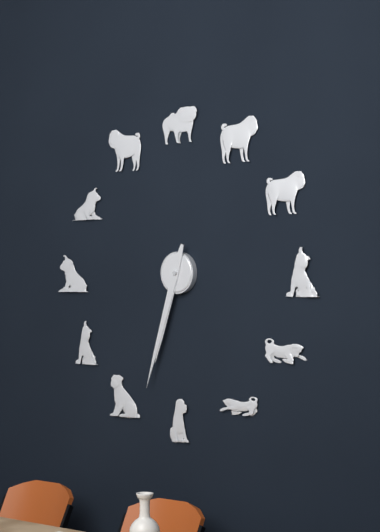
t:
6:33
